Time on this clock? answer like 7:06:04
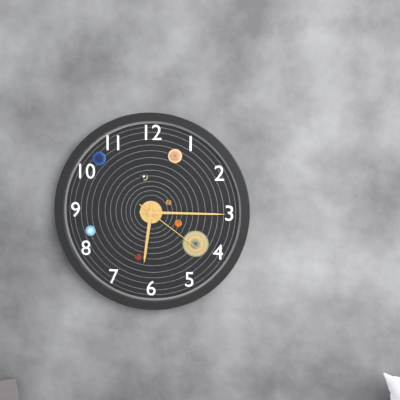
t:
6:15:21
